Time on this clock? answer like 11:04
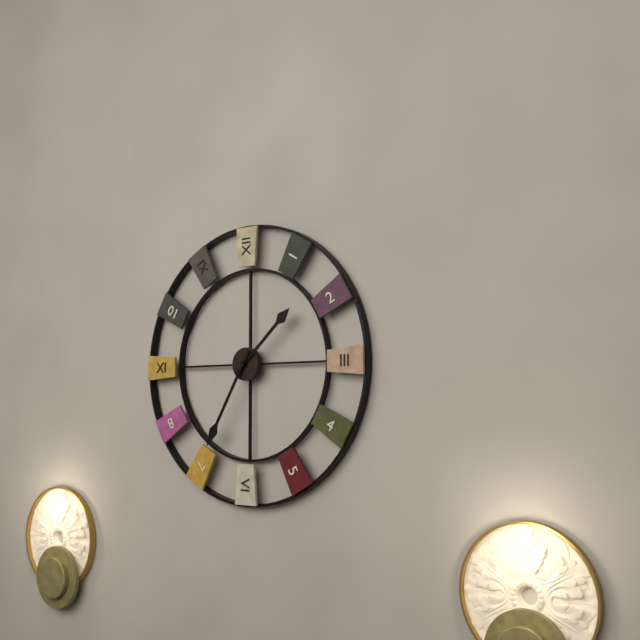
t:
1:35
